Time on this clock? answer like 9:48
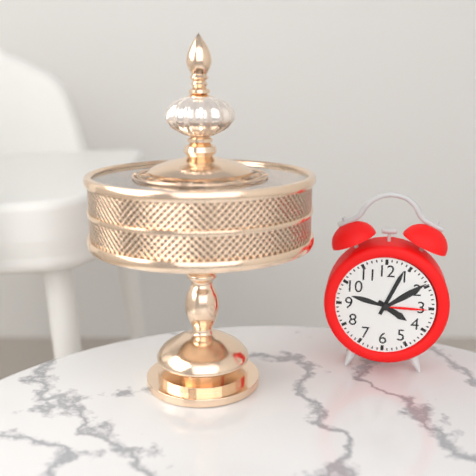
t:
4:04
